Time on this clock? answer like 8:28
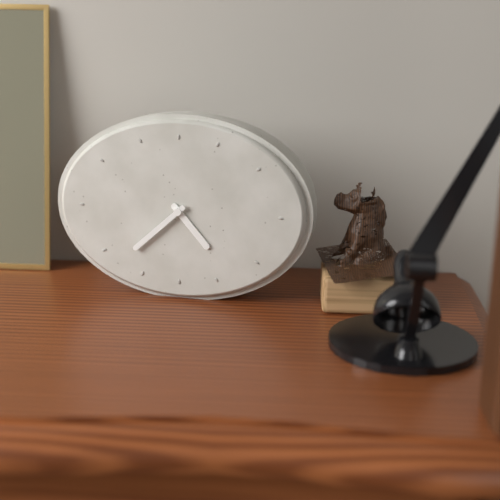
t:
4:38
